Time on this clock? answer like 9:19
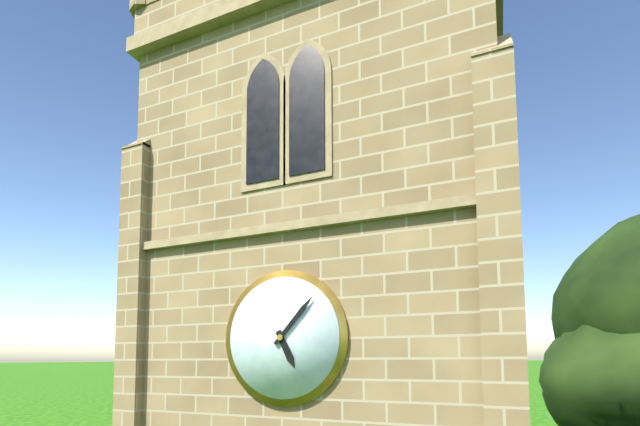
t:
5:07
